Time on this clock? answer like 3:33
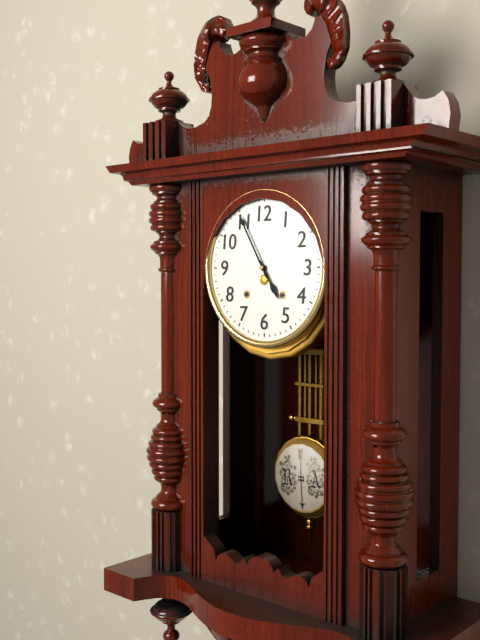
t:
4:55
